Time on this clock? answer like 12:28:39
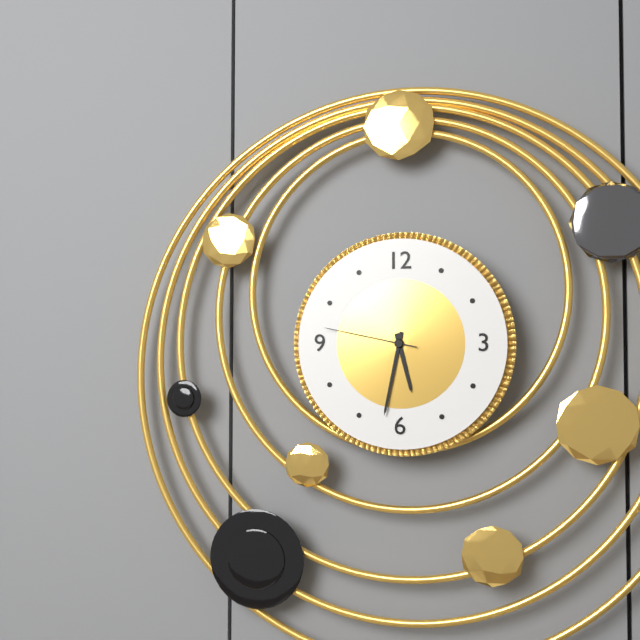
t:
5:32:47
